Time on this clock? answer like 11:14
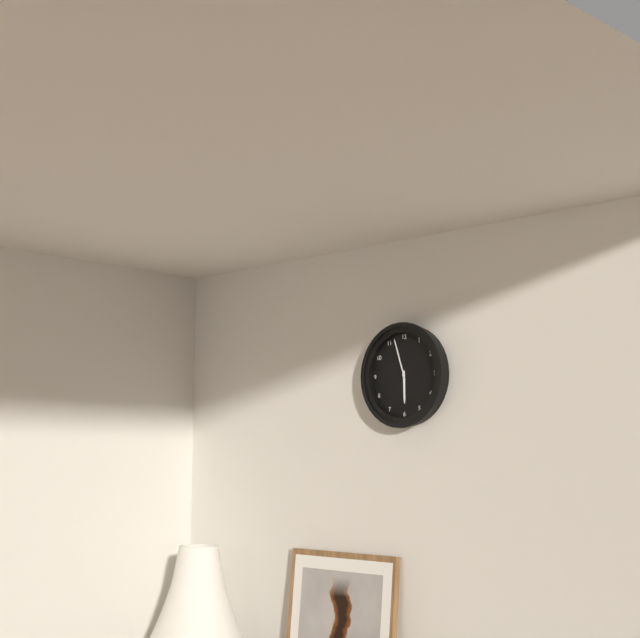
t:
5:57
